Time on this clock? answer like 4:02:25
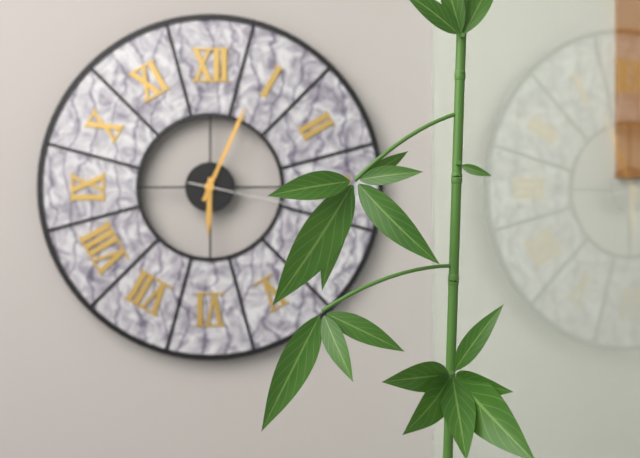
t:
6:04:17
